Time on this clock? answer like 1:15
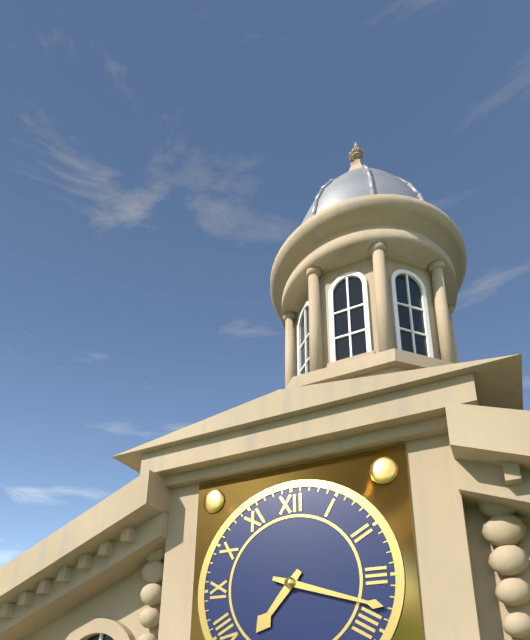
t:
7:18
